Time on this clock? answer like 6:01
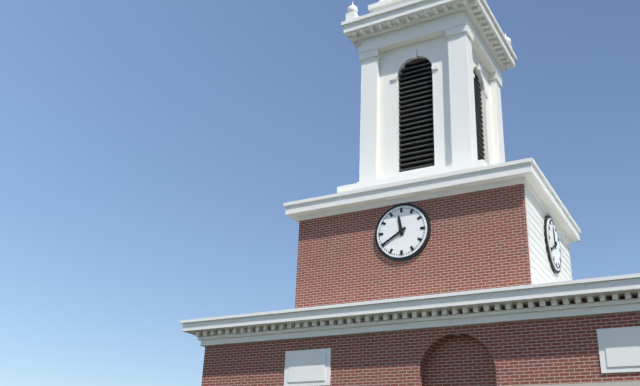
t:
11:40
